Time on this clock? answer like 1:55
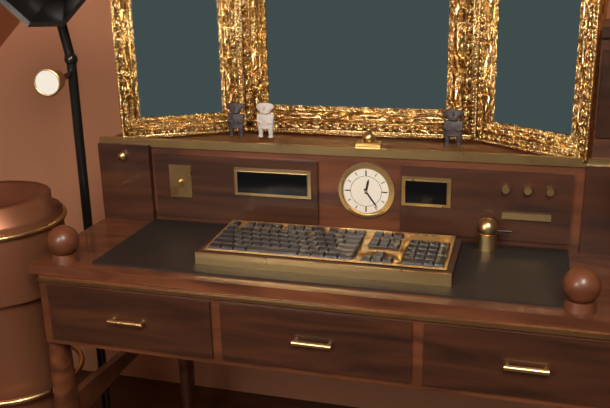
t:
12:24
